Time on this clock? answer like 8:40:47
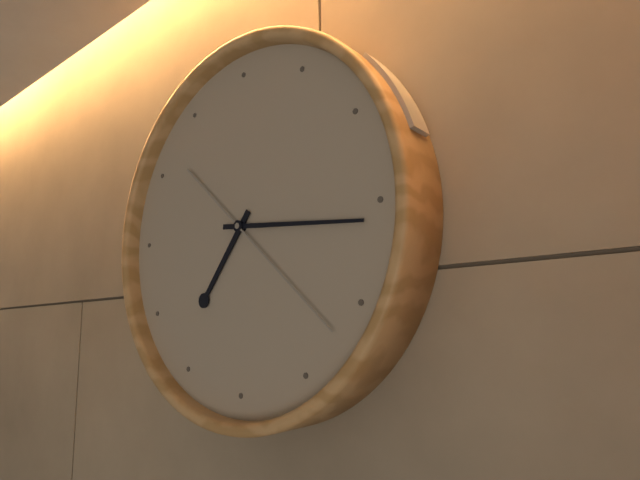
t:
7:16:22
